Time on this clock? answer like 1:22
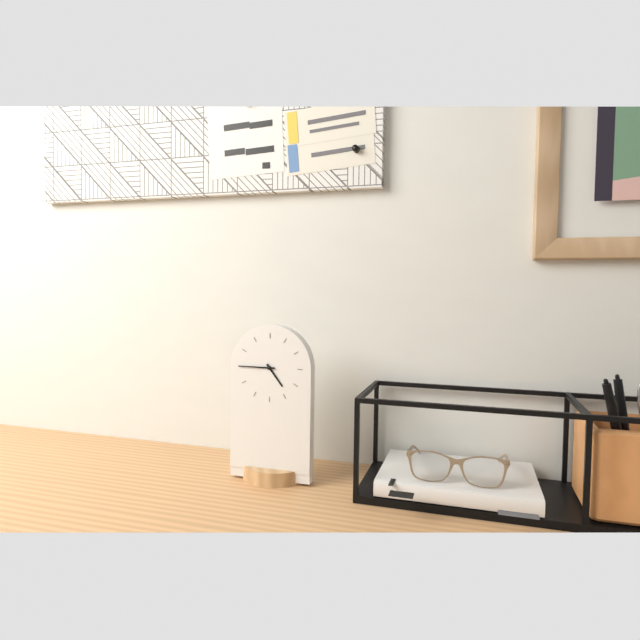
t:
4:45
